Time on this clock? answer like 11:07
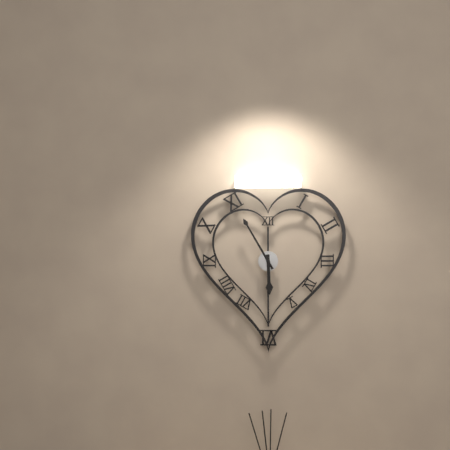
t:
5:55
